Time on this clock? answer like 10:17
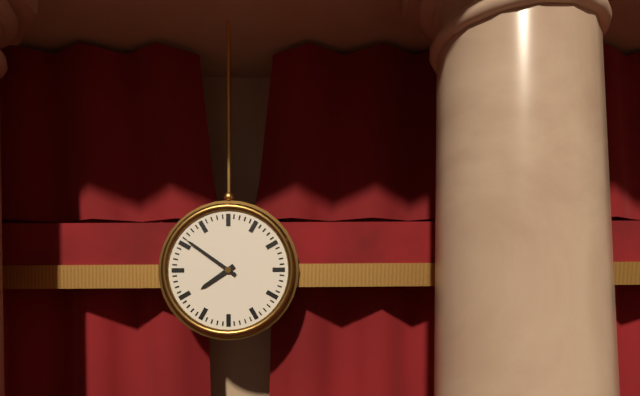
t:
7:51
